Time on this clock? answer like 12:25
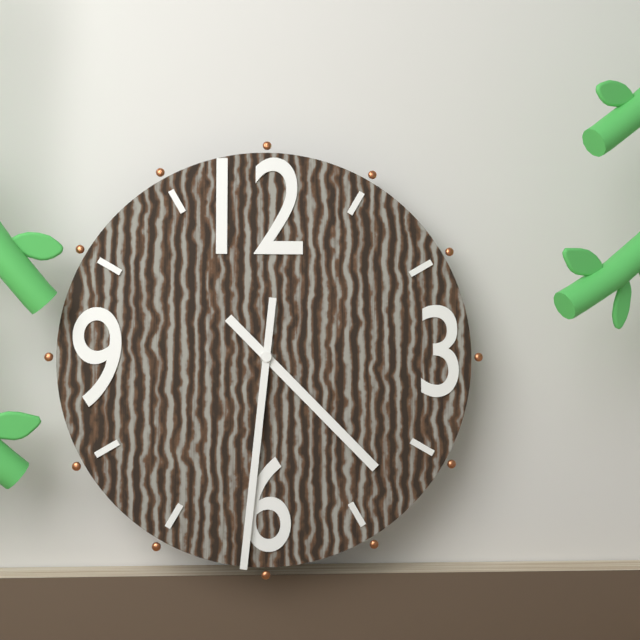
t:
4:31
